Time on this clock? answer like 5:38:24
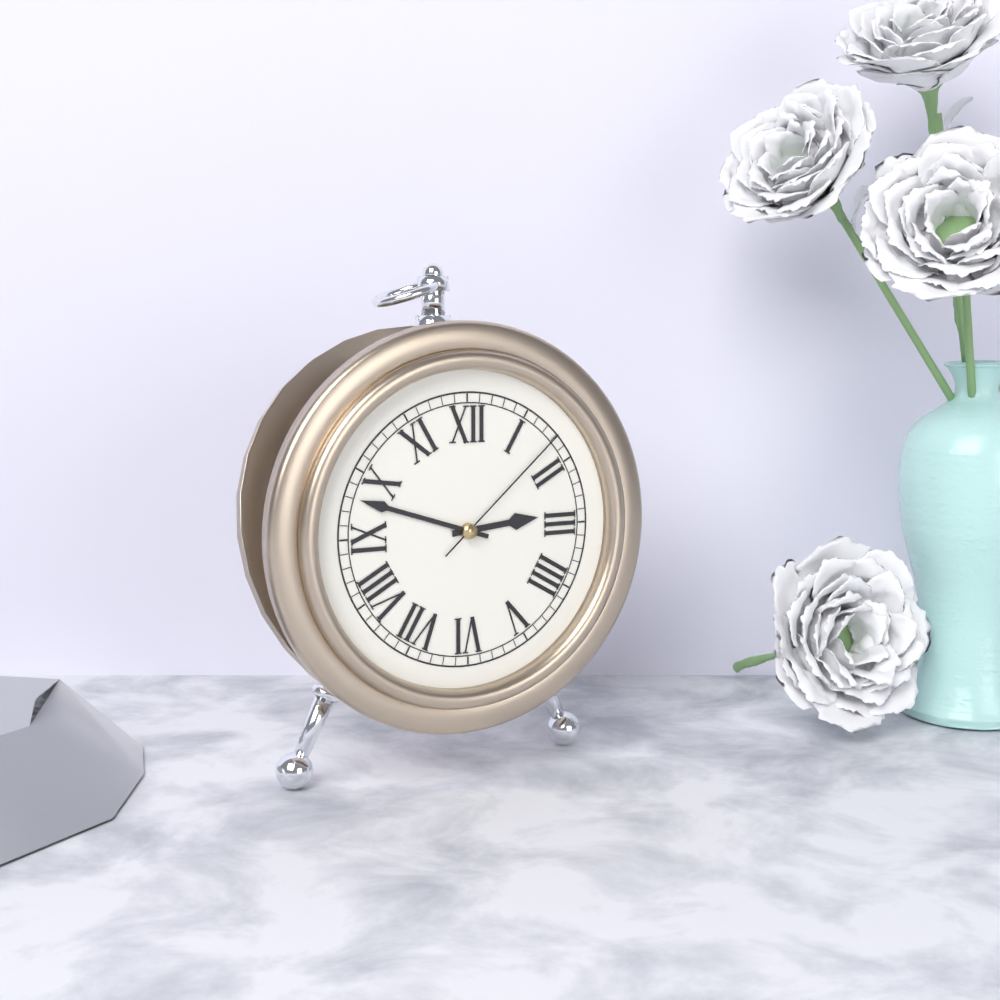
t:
2:48:08
